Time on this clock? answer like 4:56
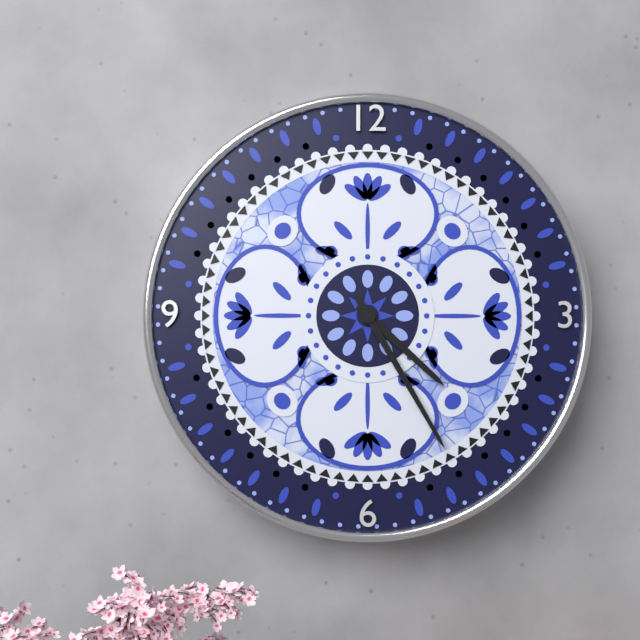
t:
4:25
